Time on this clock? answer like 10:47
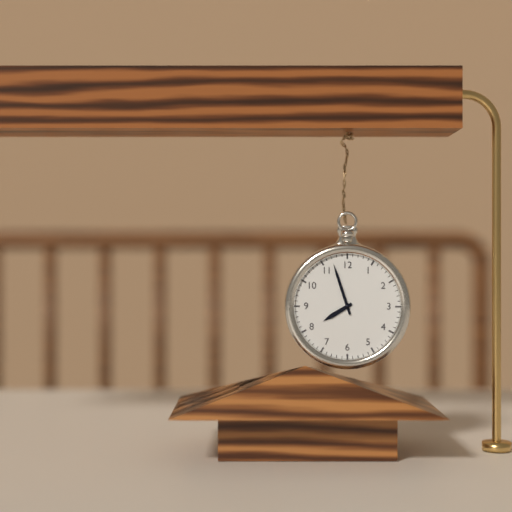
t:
7:57
